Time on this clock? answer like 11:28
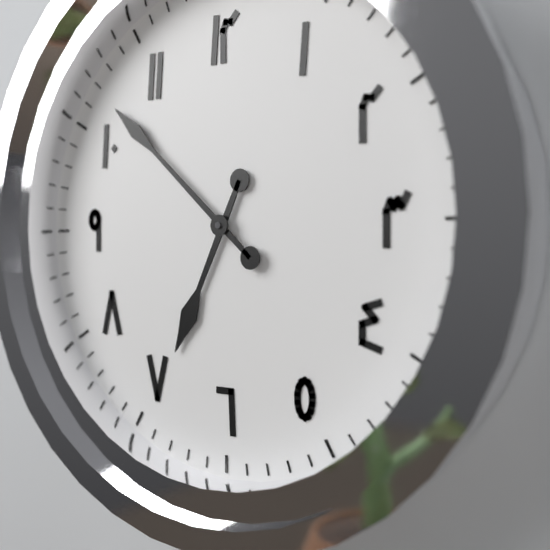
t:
6:52
